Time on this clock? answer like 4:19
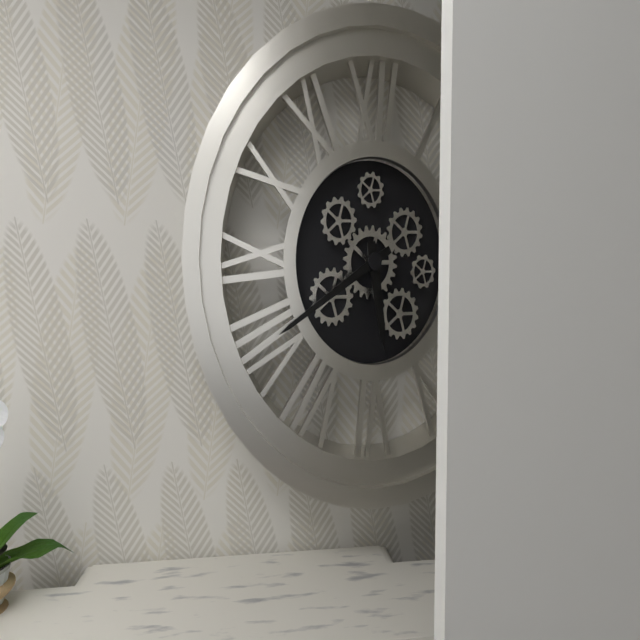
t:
5:40
